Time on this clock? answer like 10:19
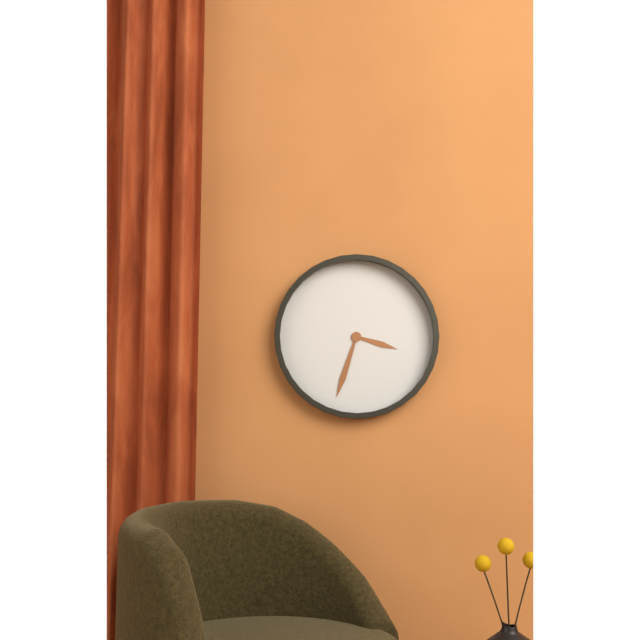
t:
3:33
